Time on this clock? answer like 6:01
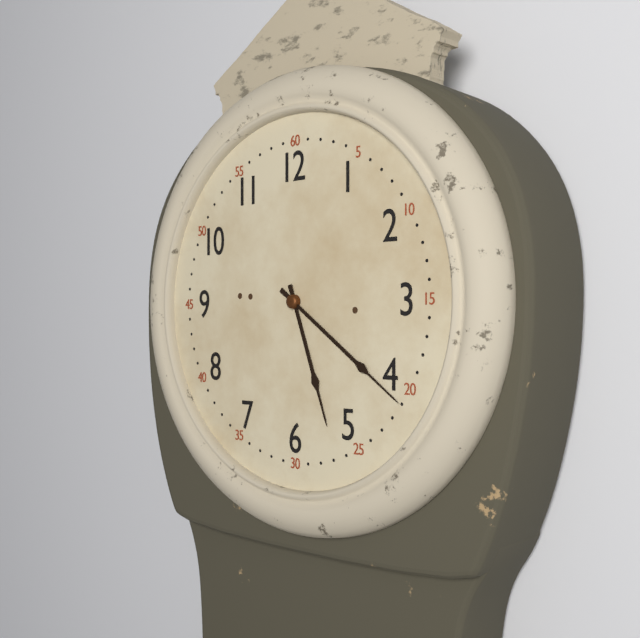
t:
5:21
